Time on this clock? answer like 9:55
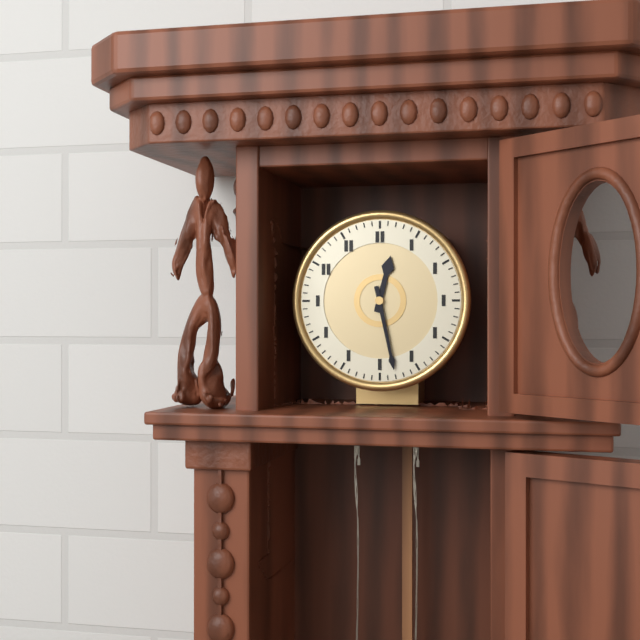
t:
12:28
